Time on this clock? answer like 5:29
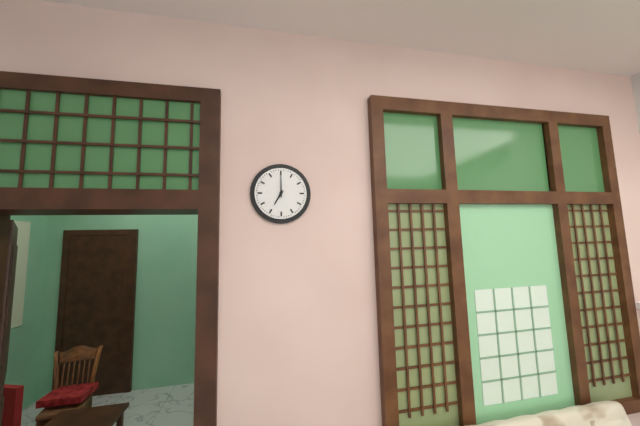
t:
7:00
